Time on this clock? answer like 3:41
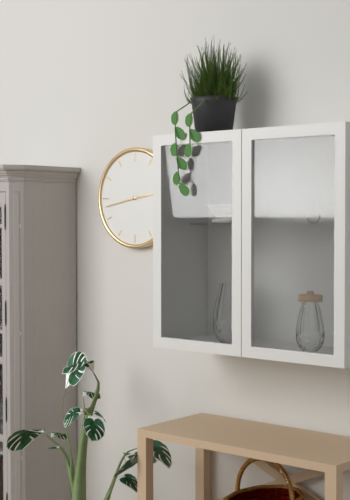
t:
2:43
